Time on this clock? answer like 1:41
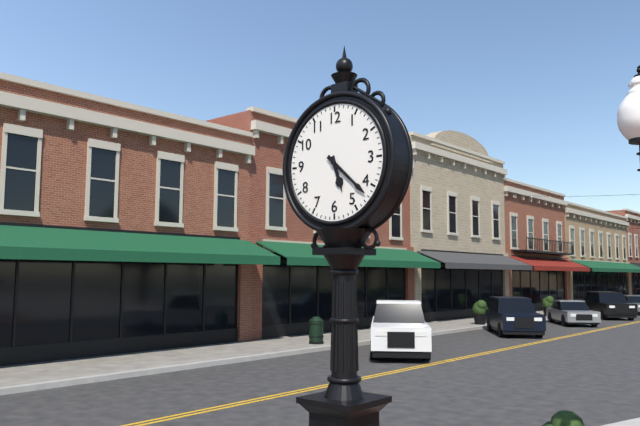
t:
5:22
